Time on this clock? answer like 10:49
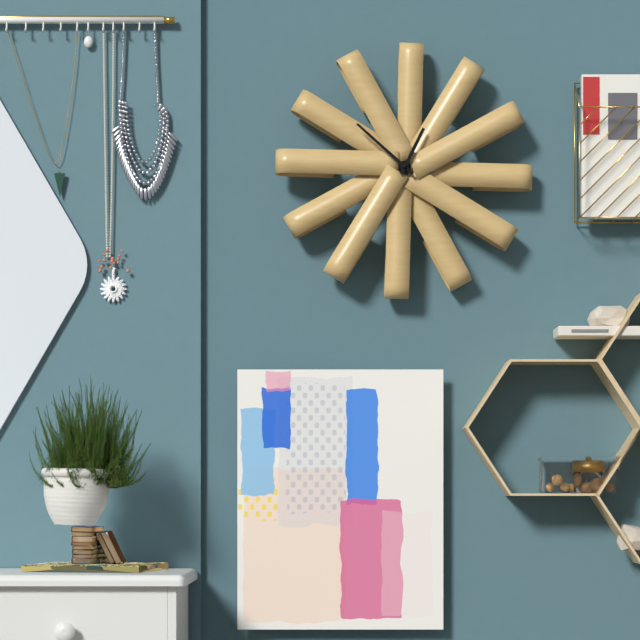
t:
12:52
